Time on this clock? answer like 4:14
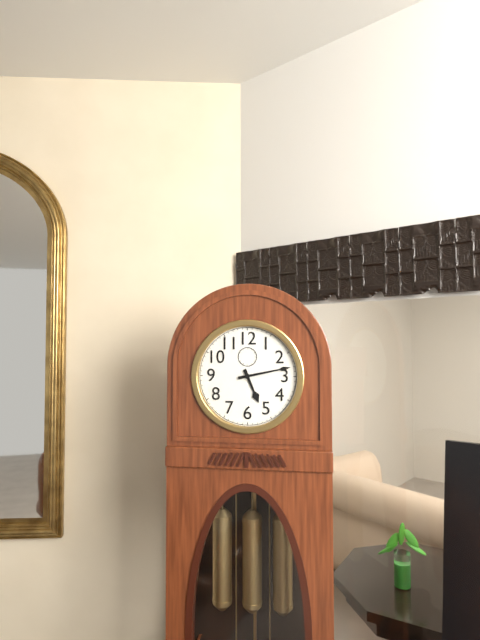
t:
5:13
